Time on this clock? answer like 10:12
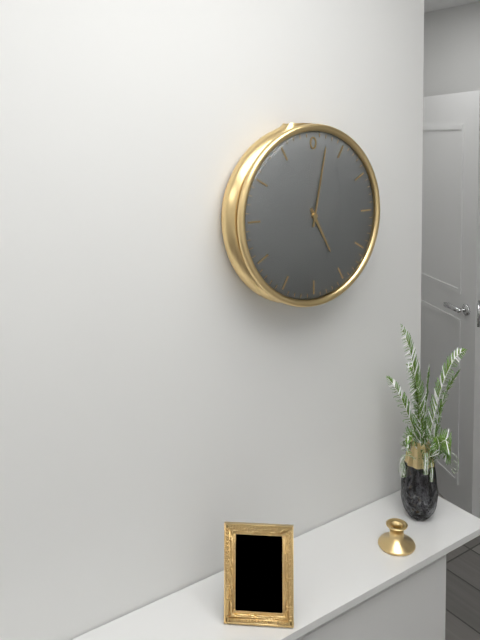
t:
5:02
